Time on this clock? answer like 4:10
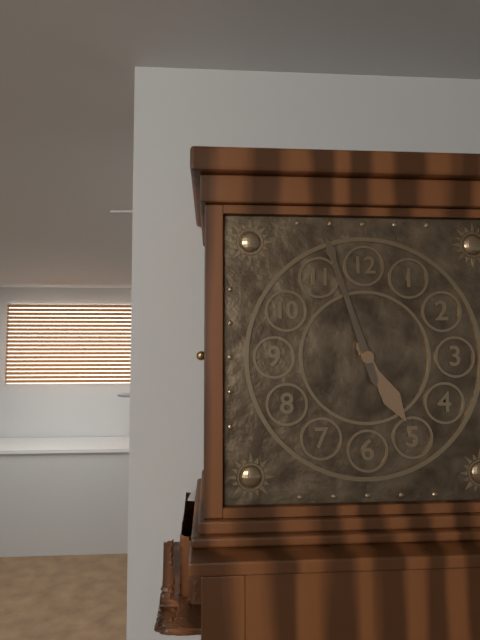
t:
4:57
